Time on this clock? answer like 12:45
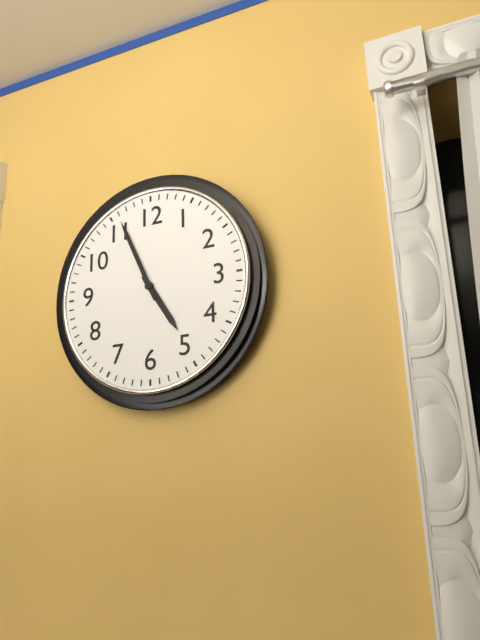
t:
4:56
